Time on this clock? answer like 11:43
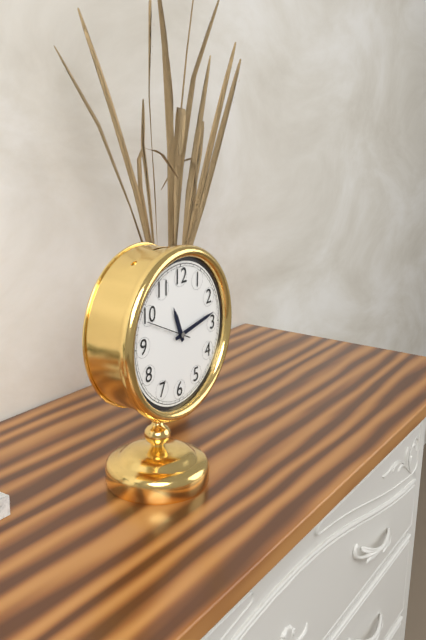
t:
11:13
